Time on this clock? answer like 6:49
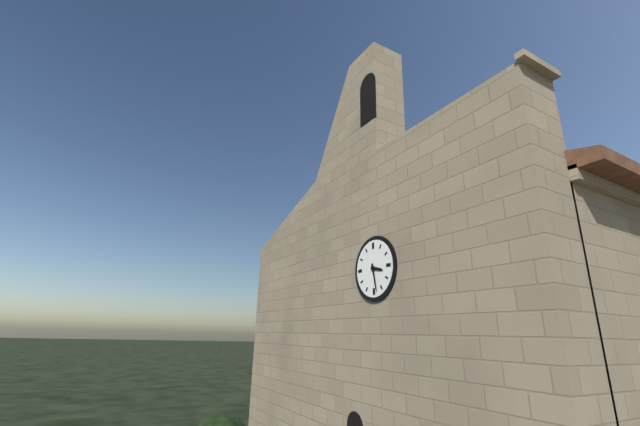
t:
3:28
